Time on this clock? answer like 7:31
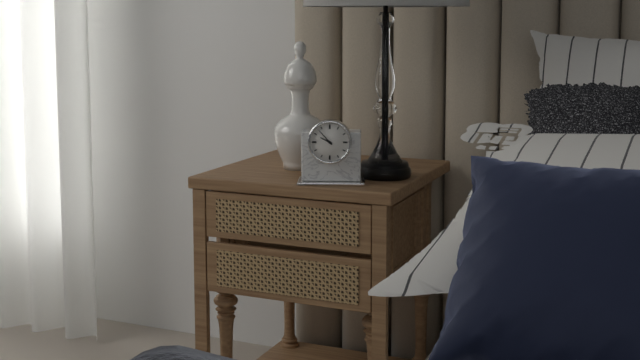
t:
9:53
